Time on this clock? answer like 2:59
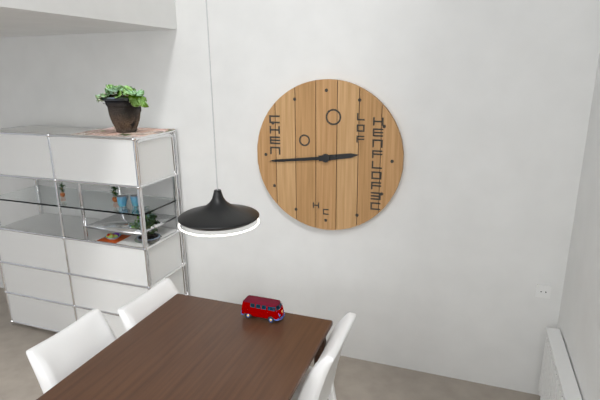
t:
2:44
